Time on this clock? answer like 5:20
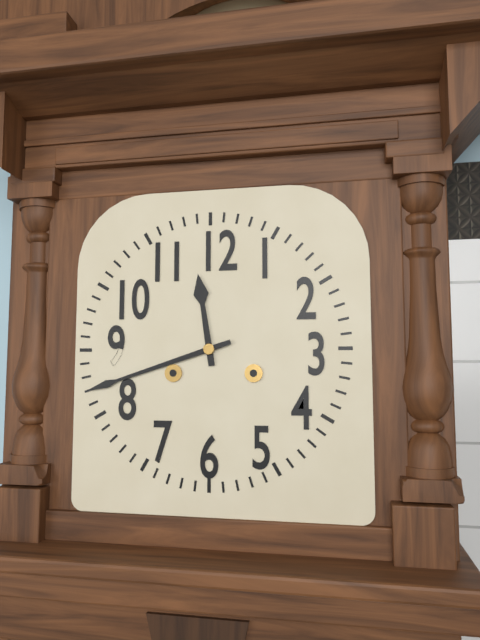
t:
11:42
